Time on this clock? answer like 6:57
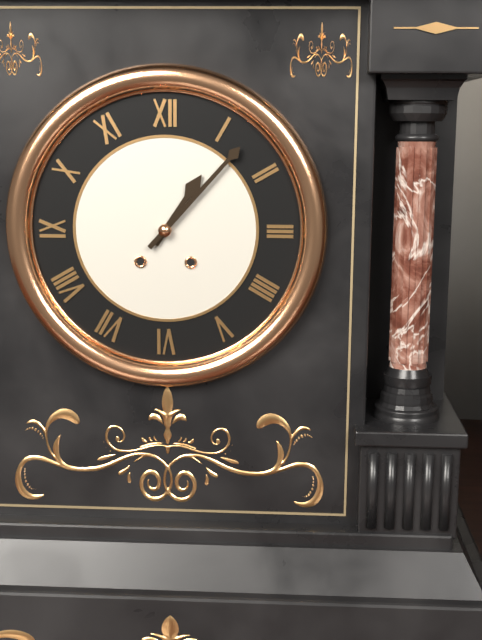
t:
1:07
